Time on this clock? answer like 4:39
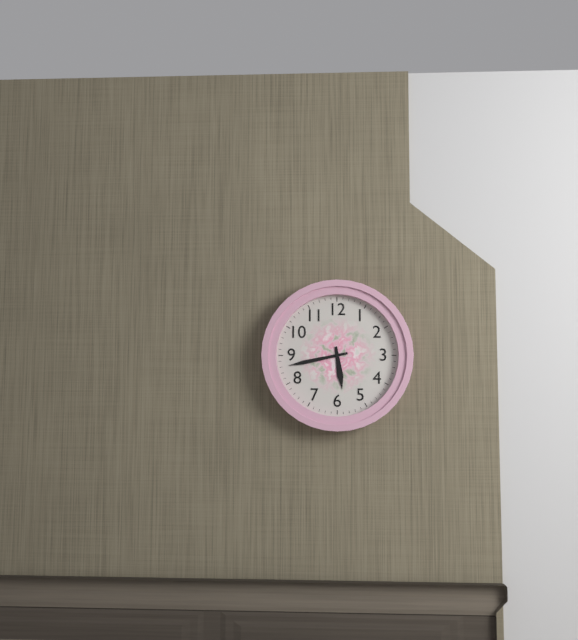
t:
5:43
